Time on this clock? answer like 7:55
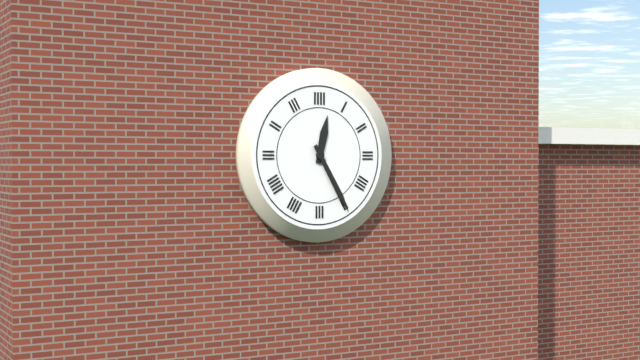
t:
12:25
